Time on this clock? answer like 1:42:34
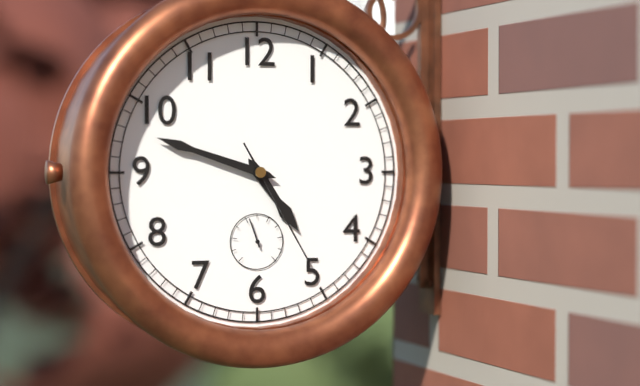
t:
4:48:25
